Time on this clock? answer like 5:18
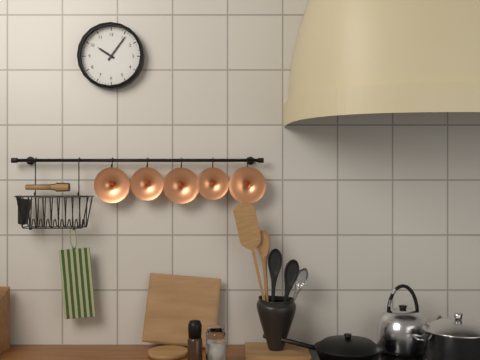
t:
10:06
